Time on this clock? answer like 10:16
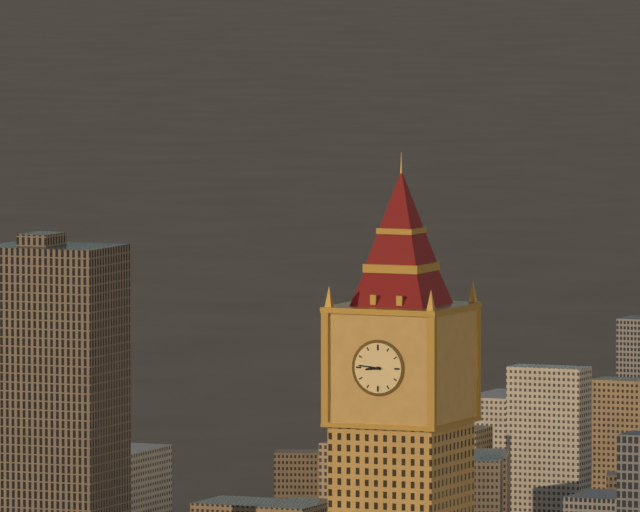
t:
8:46
